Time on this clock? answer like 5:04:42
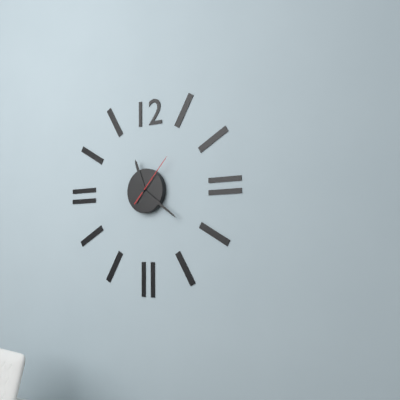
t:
11:21:07
